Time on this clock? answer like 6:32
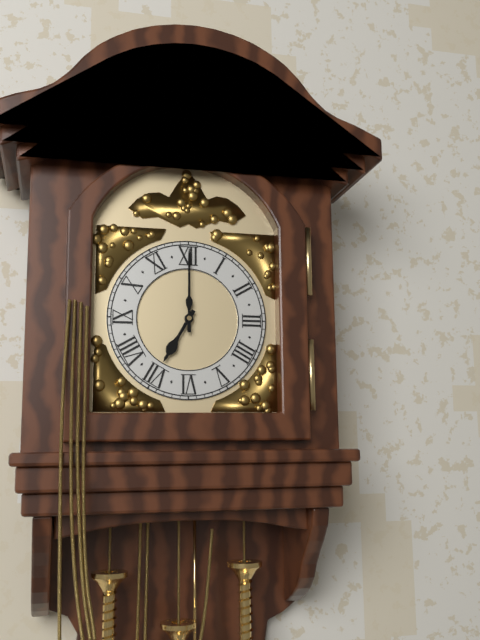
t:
7:00
